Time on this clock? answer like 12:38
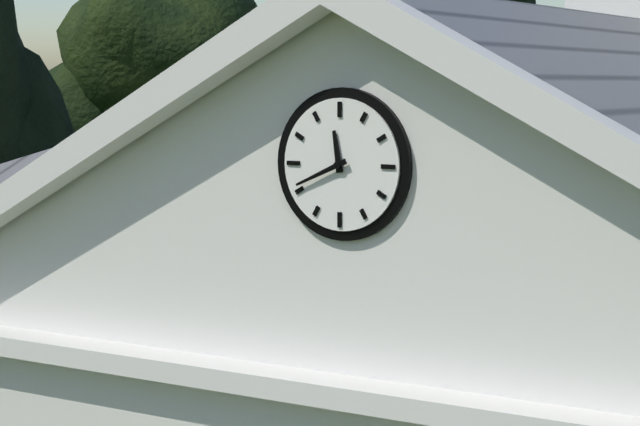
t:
11:41
